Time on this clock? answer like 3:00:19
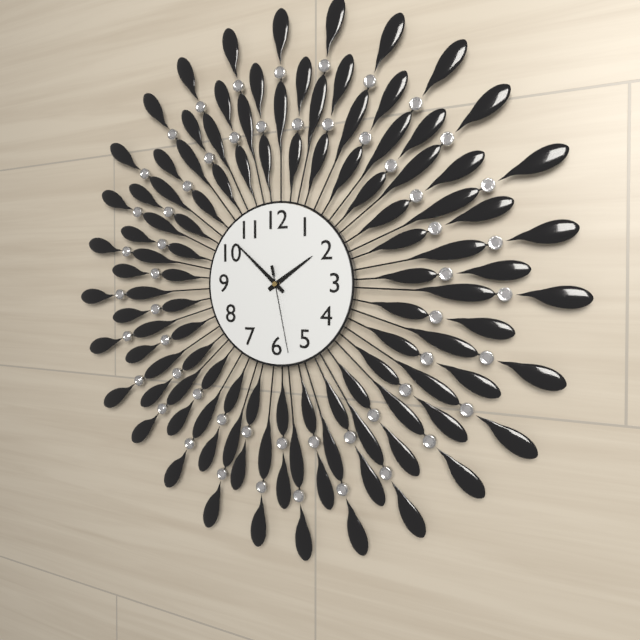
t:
1:52:28
